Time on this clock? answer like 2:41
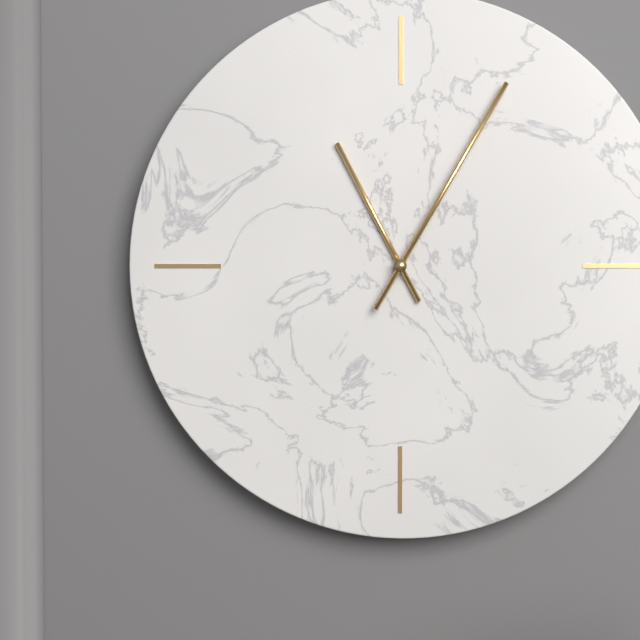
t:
11:05
